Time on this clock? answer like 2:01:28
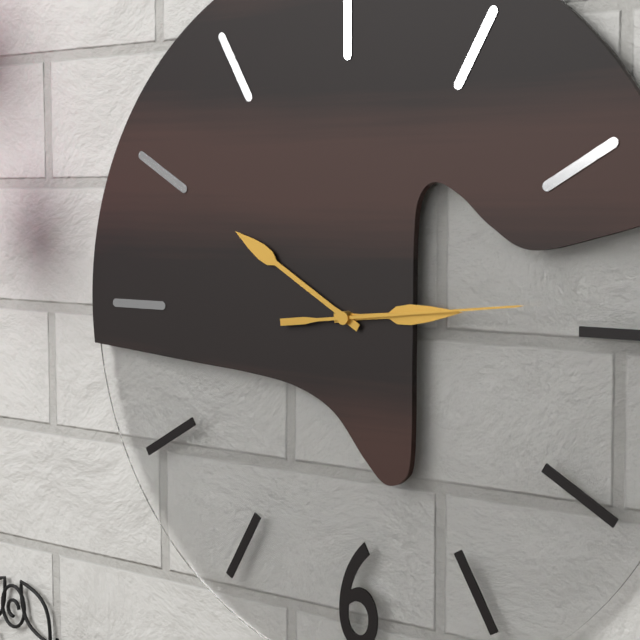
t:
2:50:14
